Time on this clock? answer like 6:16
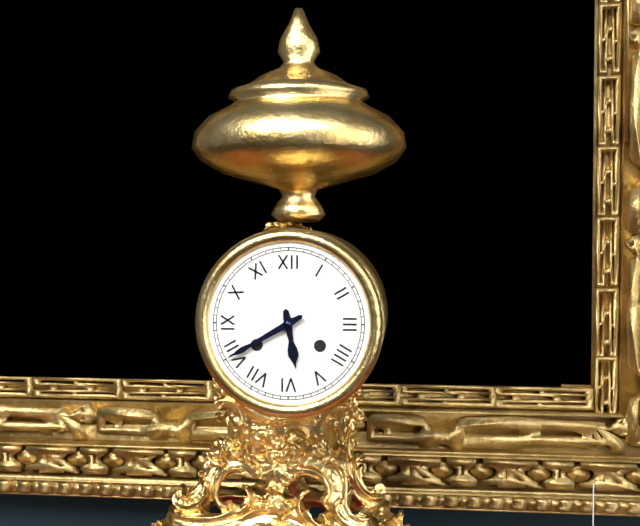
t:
5:40
